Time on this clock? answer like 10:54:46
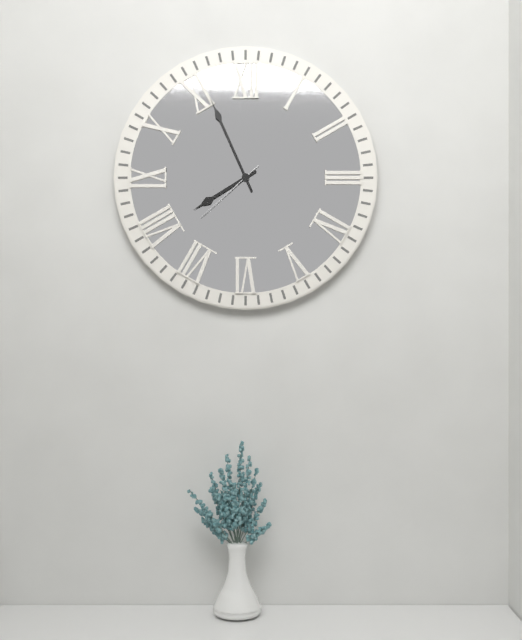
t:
7:56:38
